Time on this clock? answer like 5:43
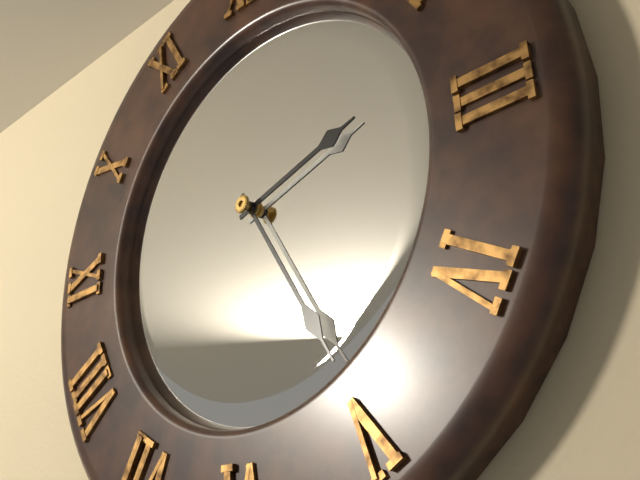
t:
2:25
